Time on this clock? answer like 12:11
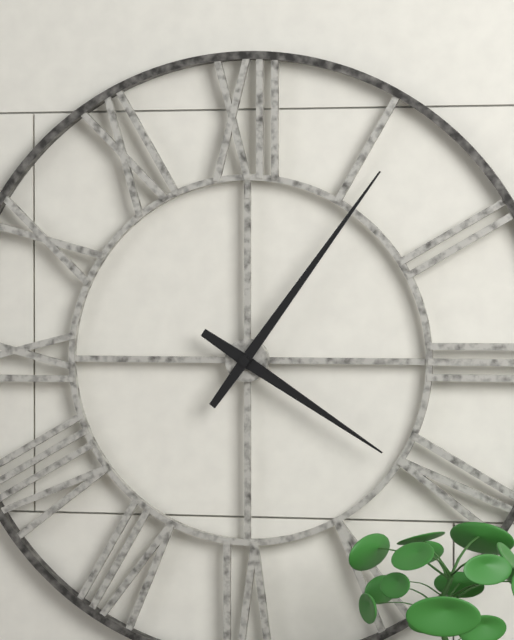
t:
4:06
